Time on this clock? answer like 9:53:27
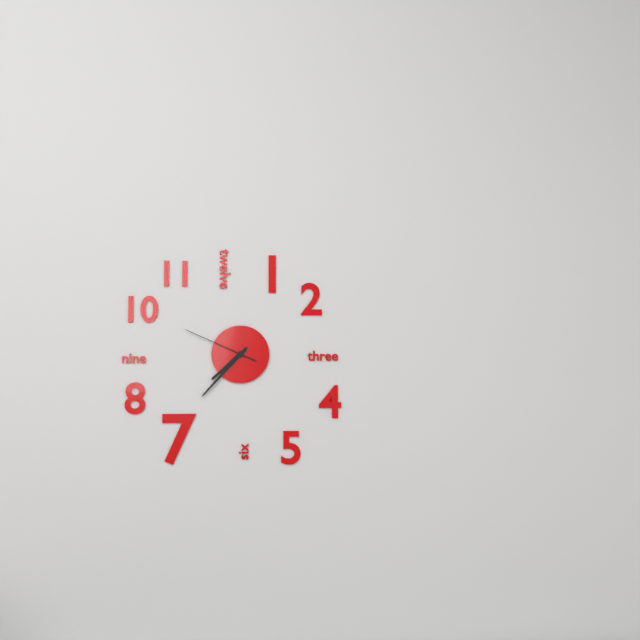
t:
7:37:49
